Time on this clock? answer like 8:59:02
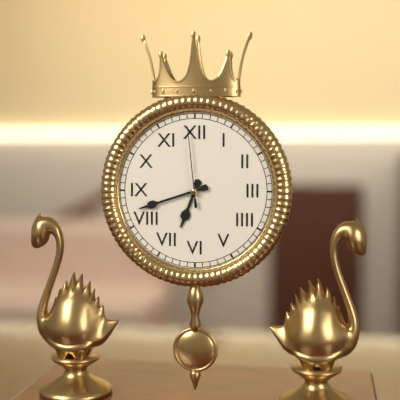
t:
6:42:59
